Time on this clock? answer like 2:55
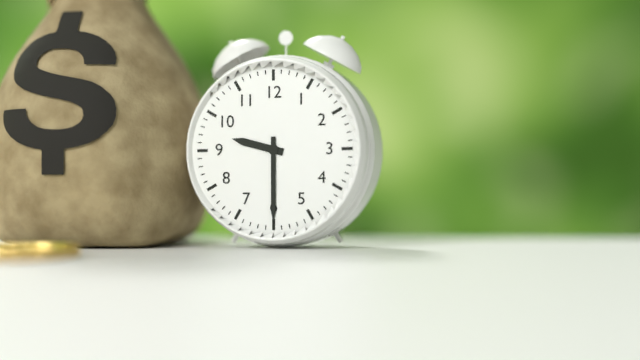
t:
9:30
